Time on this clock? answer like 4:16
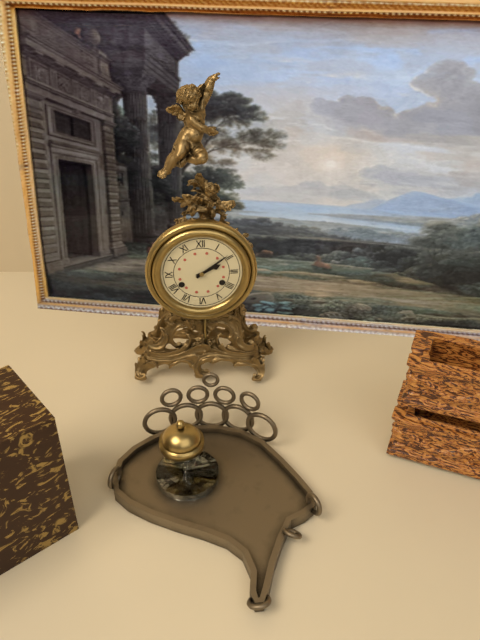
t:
2:09
